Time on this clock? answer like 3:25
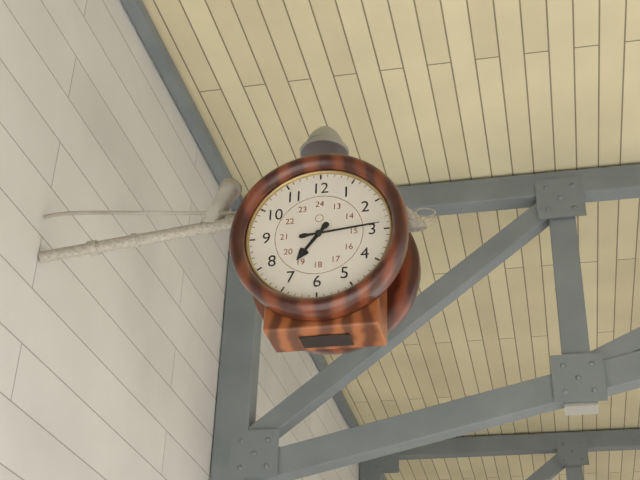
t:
7:14
